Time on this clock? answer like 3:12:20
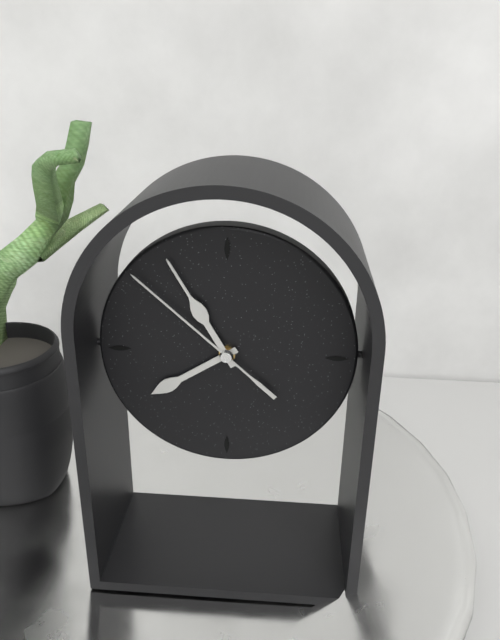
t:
7:55:52
